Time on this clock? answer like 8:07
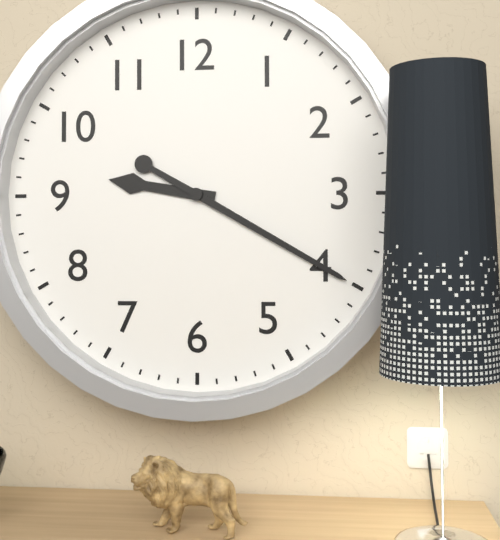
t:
9:20
